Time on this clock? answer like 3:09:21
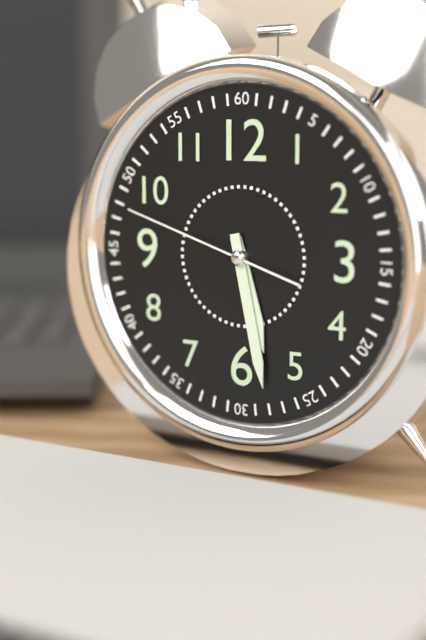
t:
5:28:48
